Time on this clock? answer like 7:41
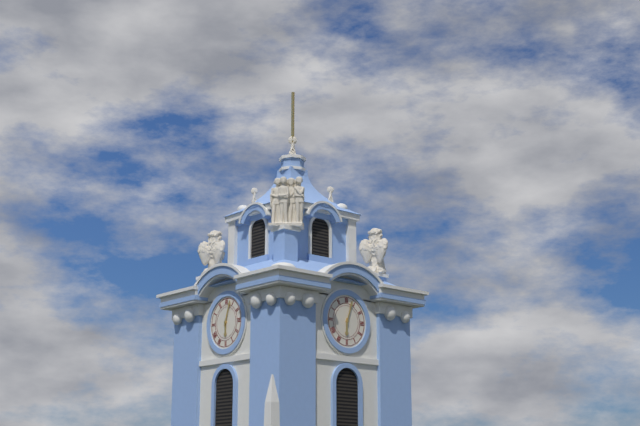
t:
6:03
